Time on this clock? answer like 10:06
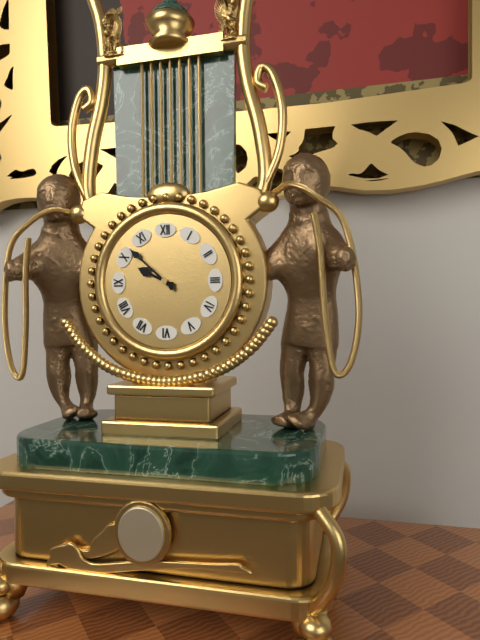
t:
9:52
